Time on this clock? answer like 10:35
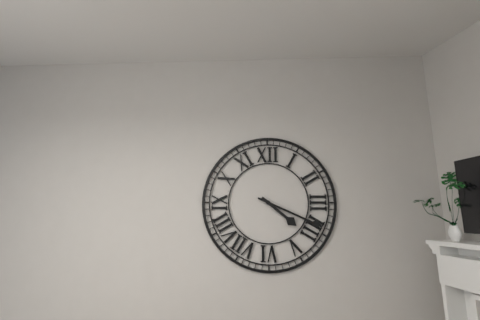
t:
4:19
